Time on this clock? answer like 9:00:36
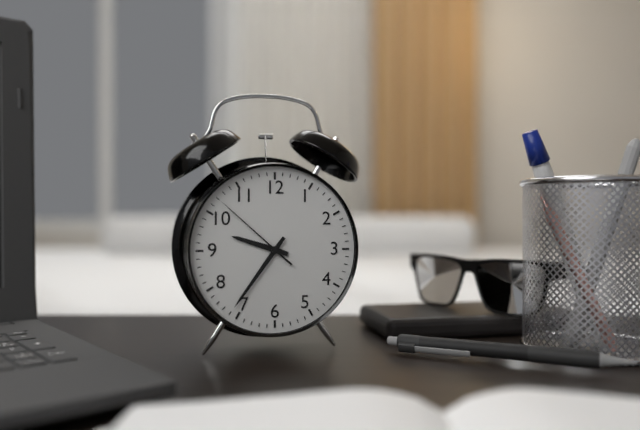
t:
9:36:52
